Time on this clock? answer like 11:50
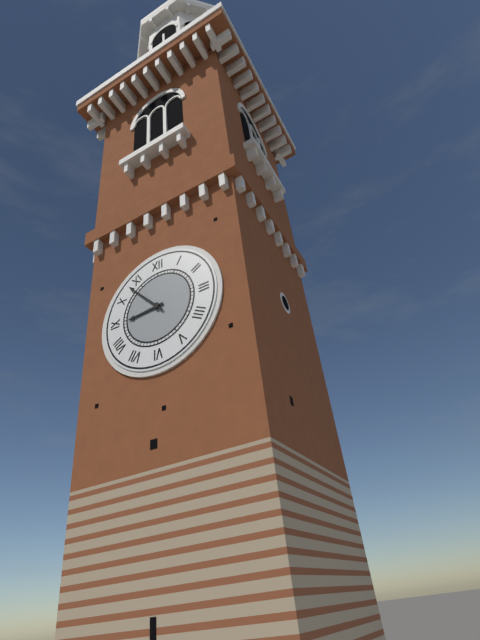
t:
8:53
